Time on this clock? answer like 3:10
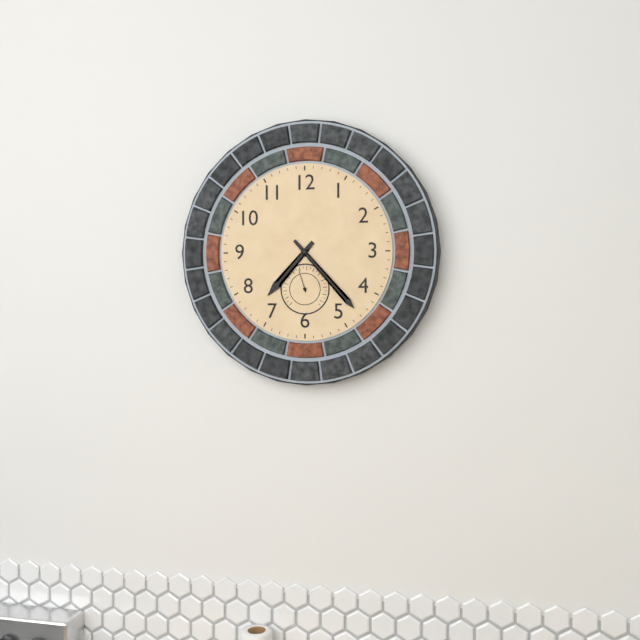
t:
7:23
